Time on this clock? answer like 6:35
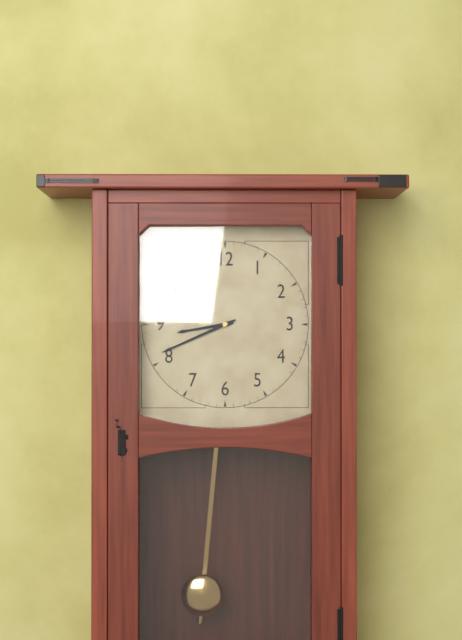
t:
8:41
